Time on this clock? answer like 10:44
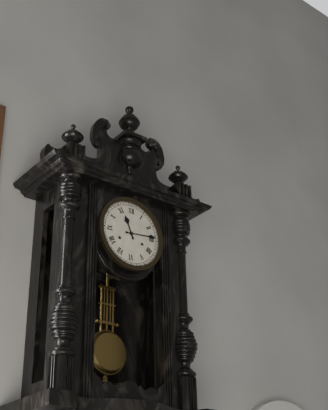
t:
11:14
